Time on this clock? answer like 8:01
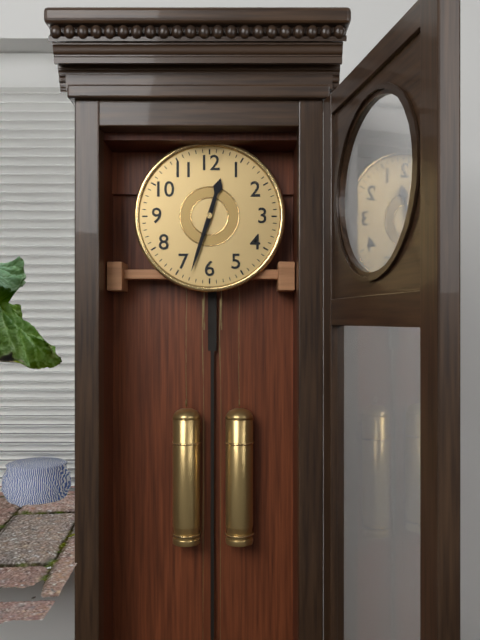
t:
12:33
